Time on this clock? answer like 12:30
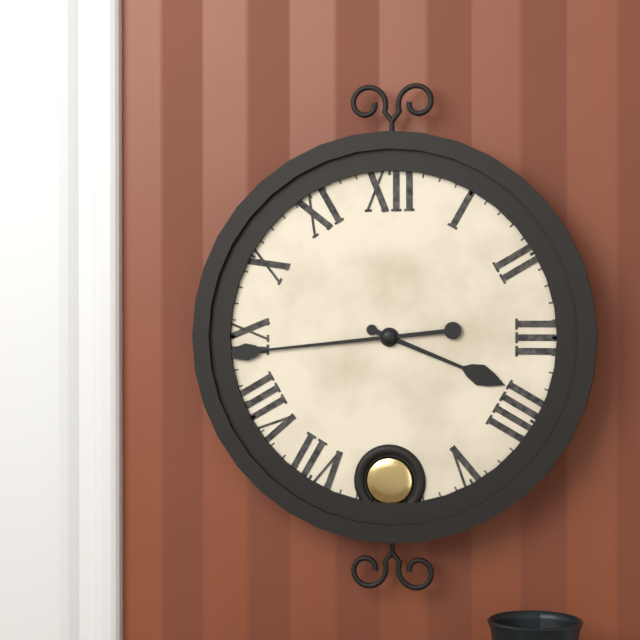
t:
3:44
